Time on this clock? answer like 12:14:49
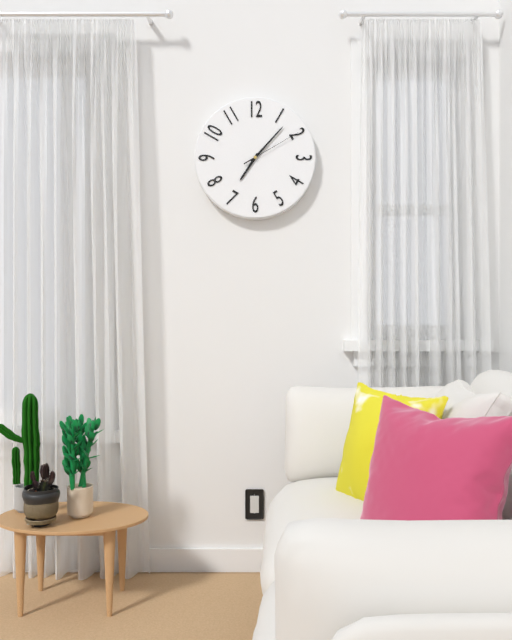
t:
7:07:10
